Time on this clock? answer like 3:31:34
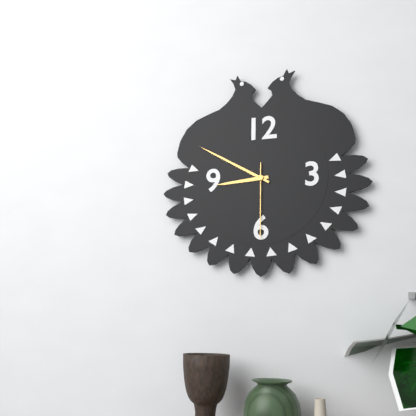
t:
8:50:30
